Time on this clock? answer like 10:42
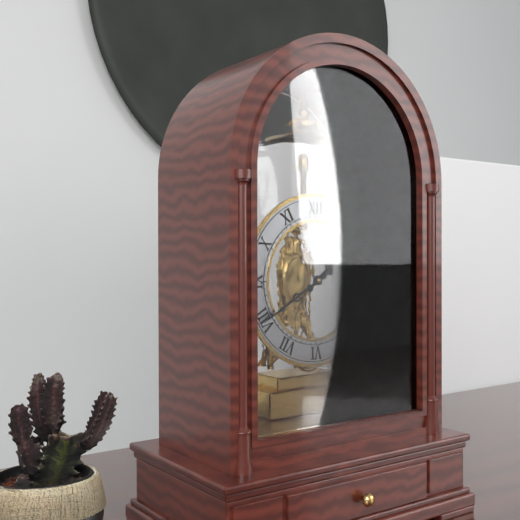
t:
1:40
